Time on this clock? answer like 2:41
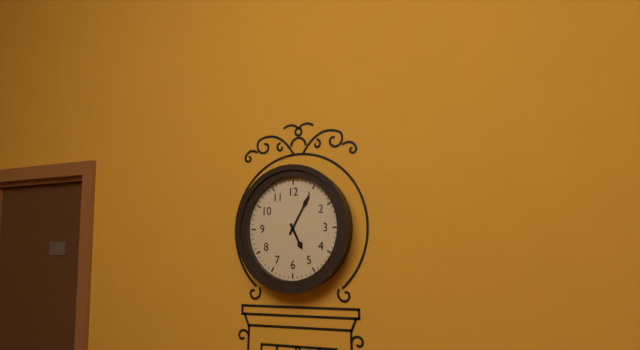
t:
5:05
